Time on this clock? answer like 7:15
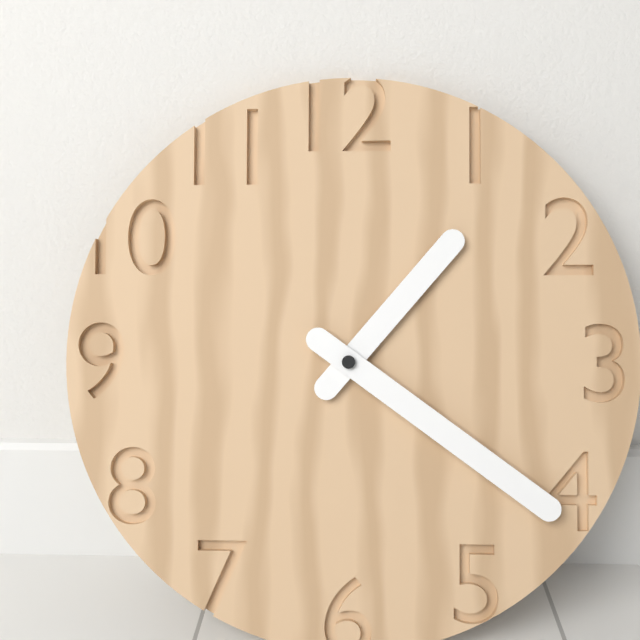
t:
1:21
